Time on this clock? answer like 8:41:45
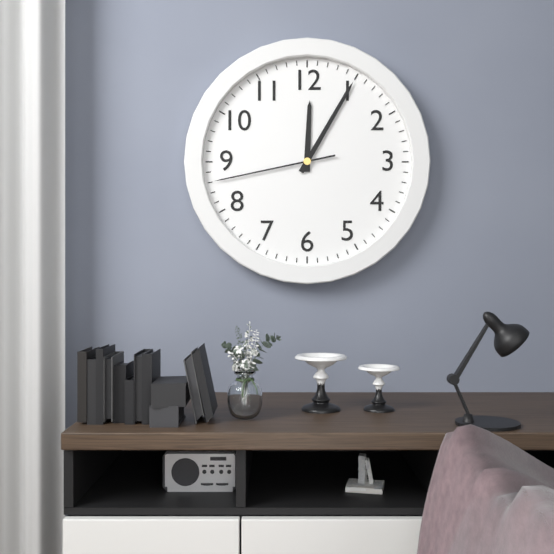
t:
12:05:43
